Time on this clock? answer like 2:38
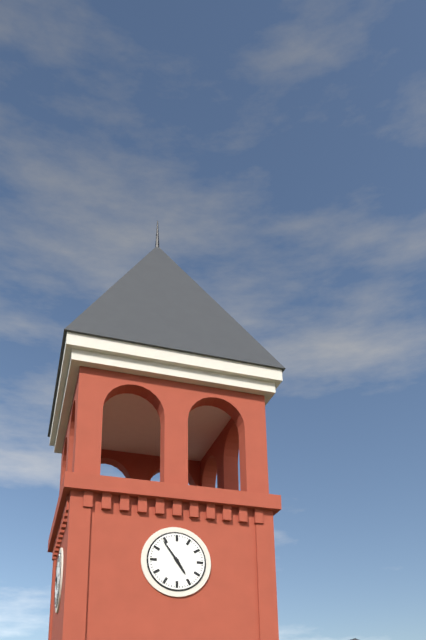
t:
4:54
